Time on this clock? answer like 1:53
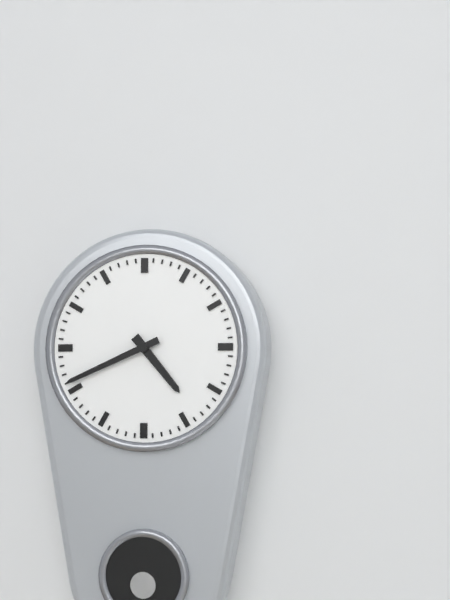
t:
4:41
